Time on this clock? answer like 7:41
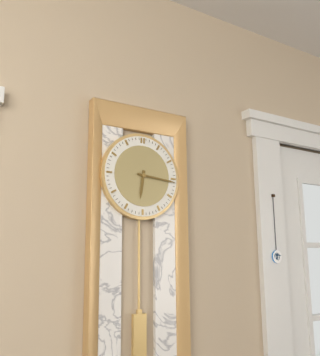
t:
6:16
